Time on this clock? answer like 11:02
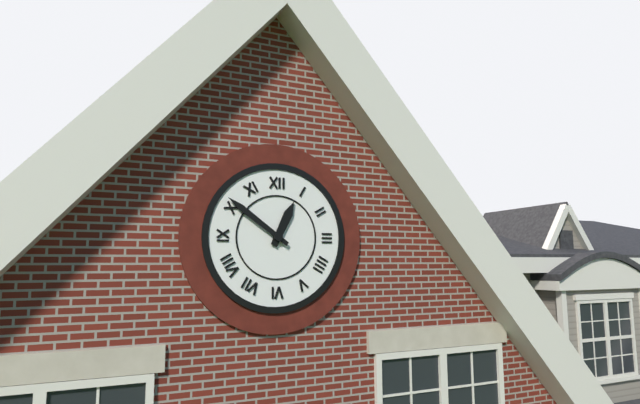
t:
12:51
